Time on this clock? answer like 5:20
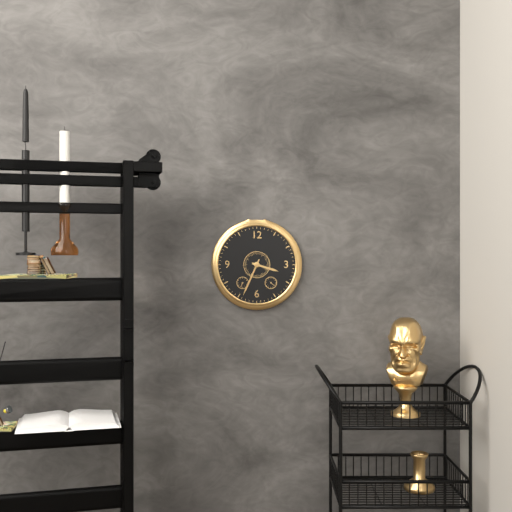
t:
3:34
